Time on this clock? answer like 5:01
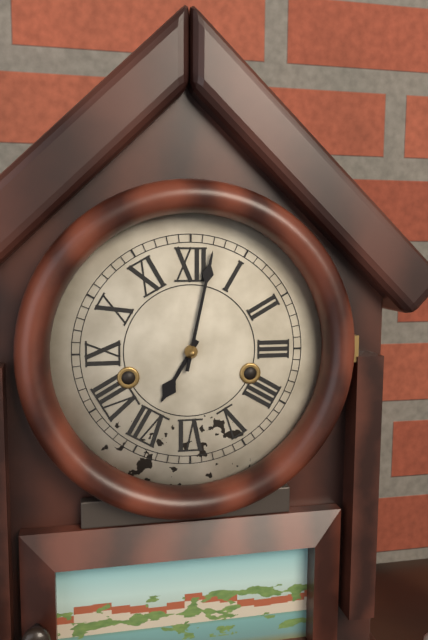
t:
7:02
